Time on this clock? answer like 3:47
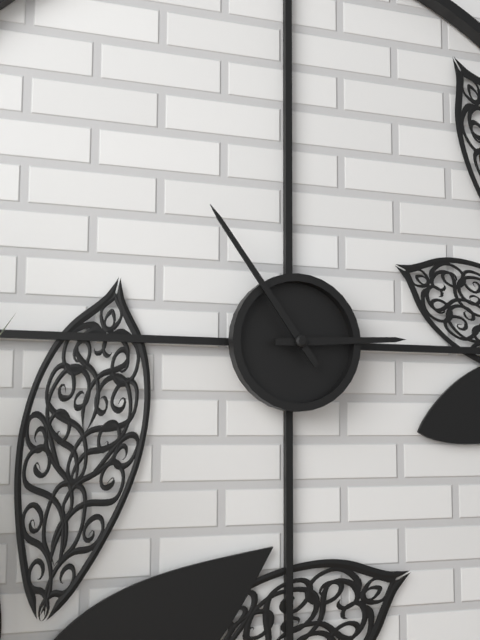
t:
2:54
